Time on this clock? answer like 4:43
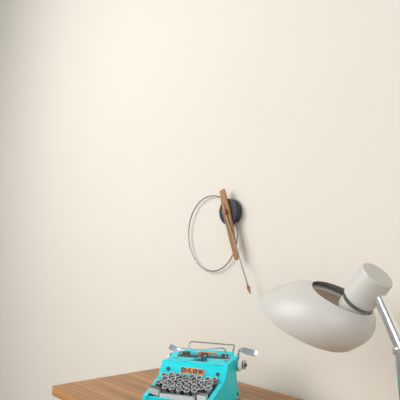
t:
5:26
